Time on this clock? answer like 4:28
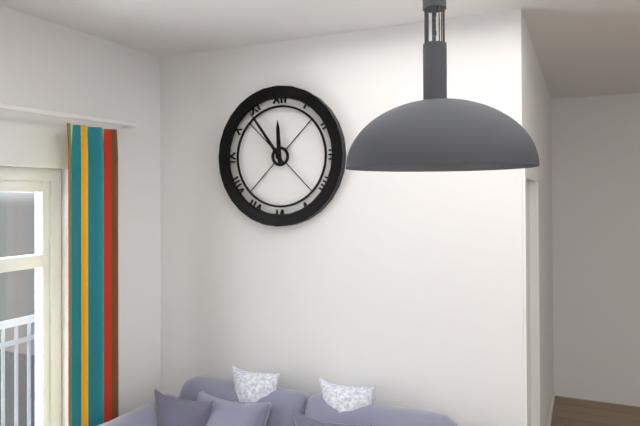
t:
11:54
